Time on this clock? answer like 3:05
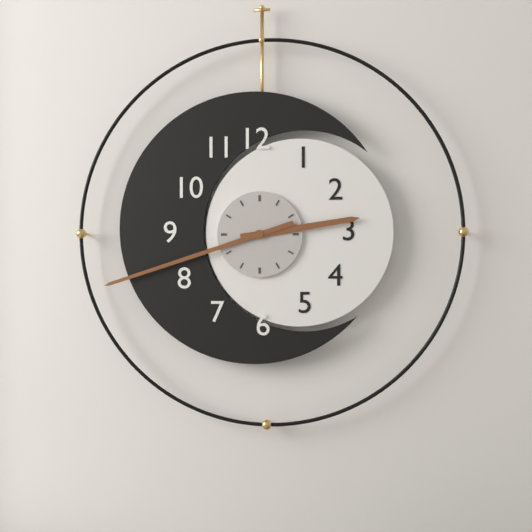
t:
2:42
